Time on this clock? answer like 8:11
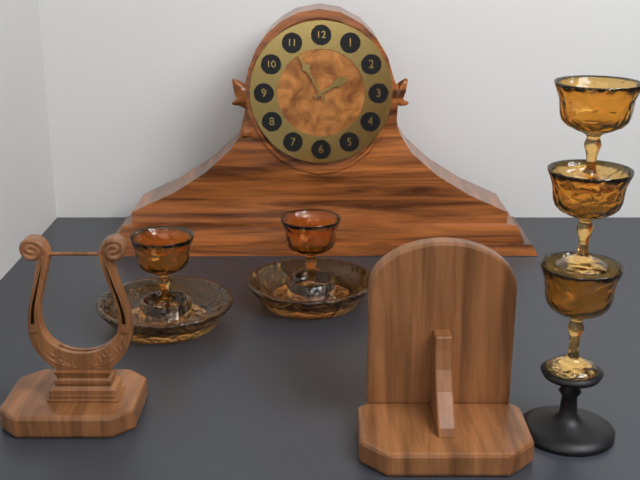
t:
1:55
